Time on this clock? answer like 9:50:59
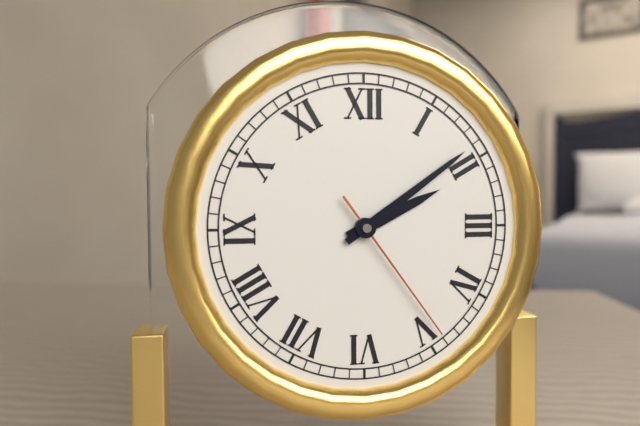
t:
2:09:24
